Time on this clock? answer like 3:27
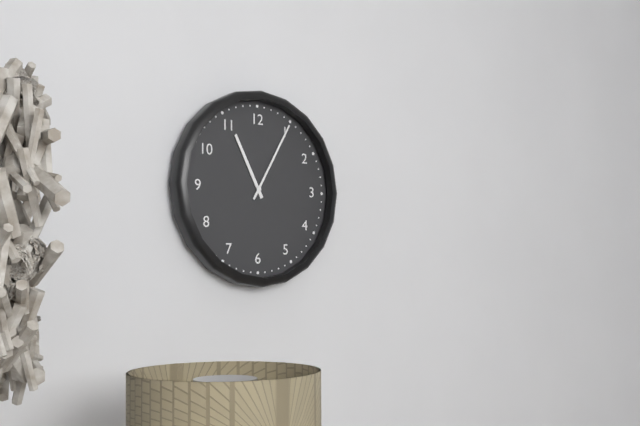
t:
11:05
